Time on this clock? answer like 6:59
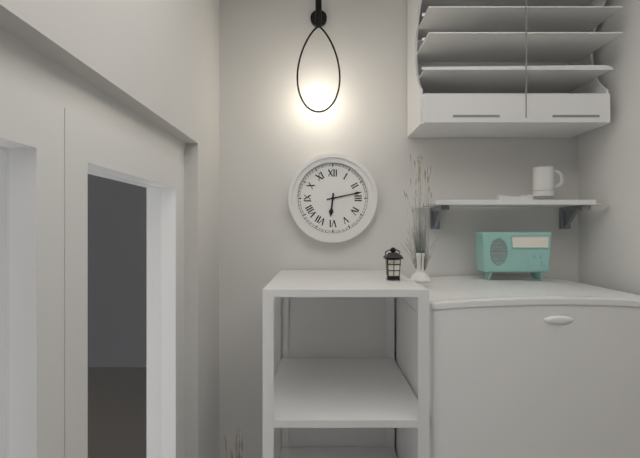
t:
6:13
